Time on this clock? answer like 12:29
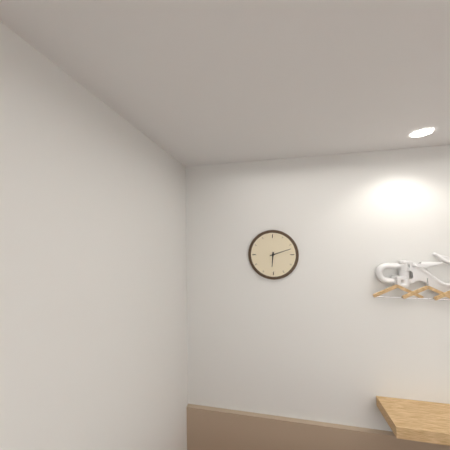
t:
6:12
